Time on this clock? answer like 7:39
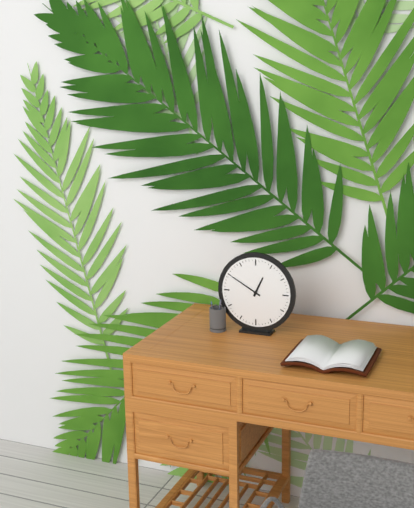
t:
12:50
